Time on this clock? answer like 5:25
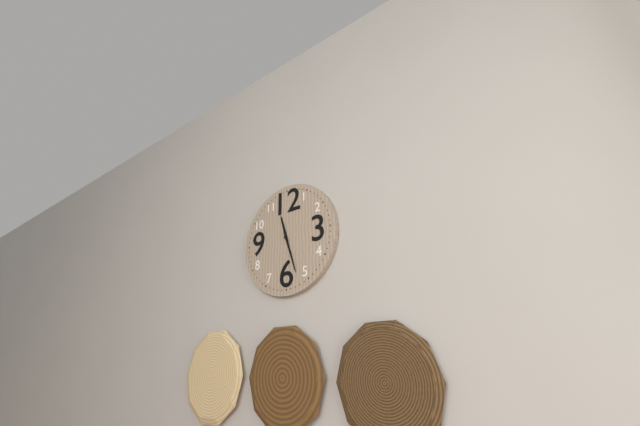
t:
11:27
